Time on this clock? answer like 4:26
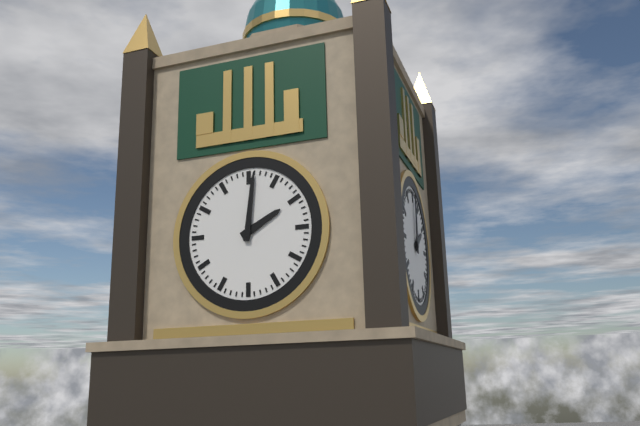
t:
2:01
